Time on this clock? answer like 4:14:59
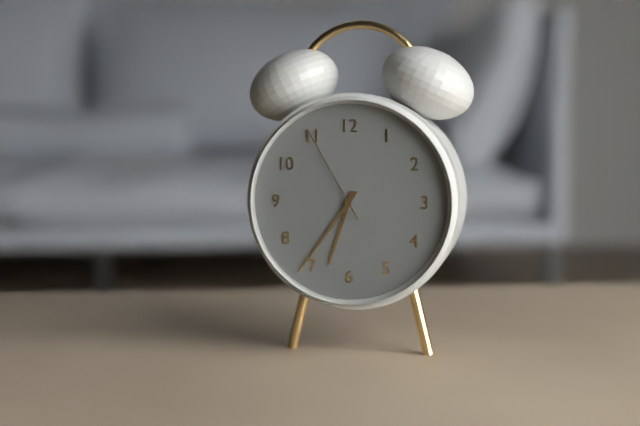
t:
6:36:55
